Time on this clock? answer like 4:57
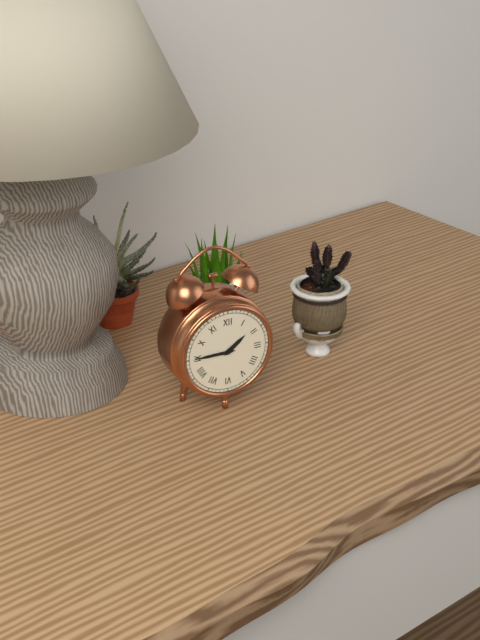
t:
1:45
